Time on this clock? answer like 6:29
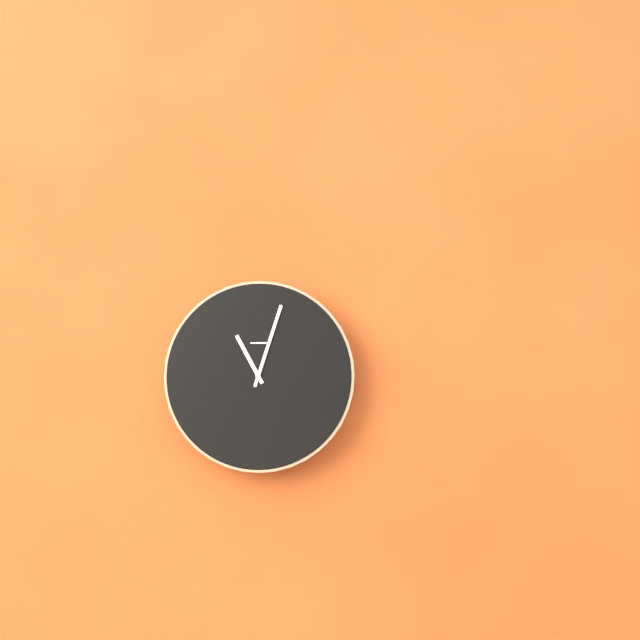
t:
11:03
